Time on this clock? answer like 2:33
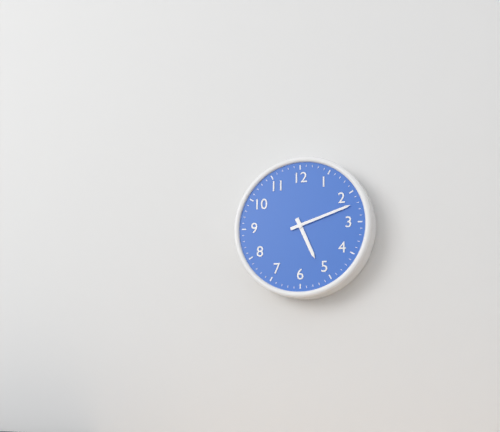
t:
5:12
